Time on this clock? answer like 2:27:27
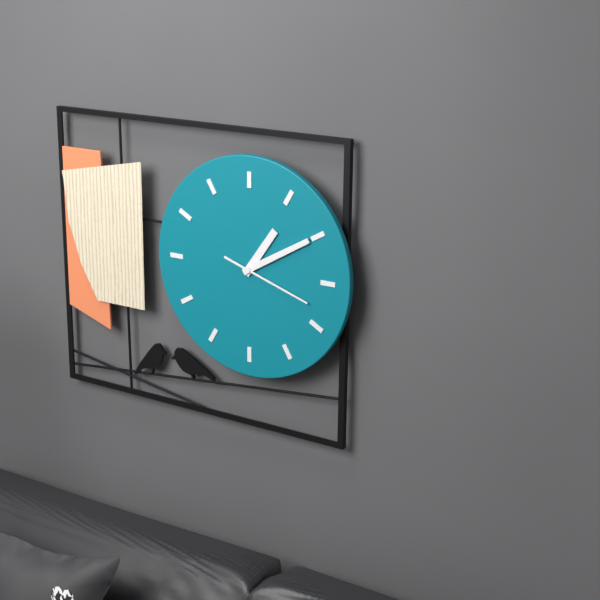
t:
1:10:18
